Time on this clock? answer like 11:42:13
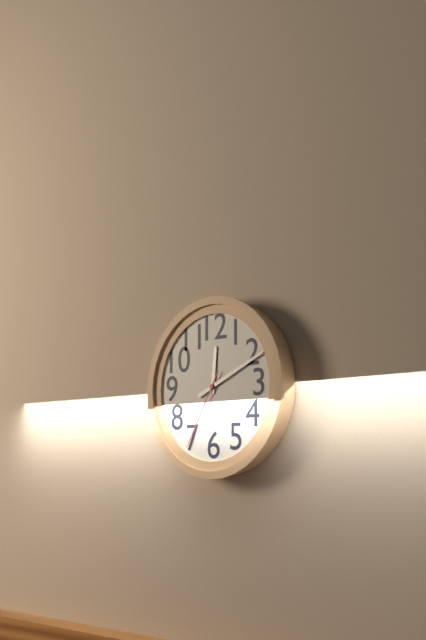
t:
12:11:35
